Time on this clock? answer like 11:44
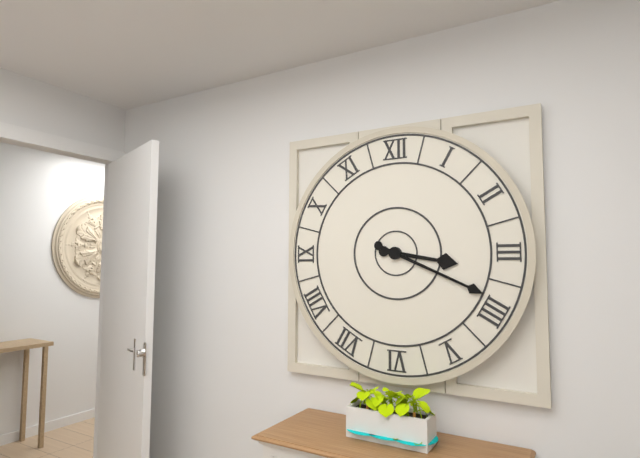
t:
3:19
